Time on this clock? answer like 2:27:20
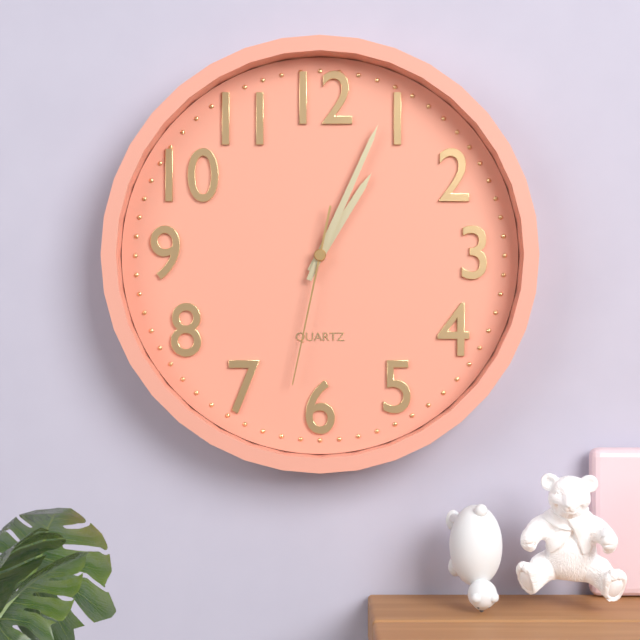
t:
1:04:32
